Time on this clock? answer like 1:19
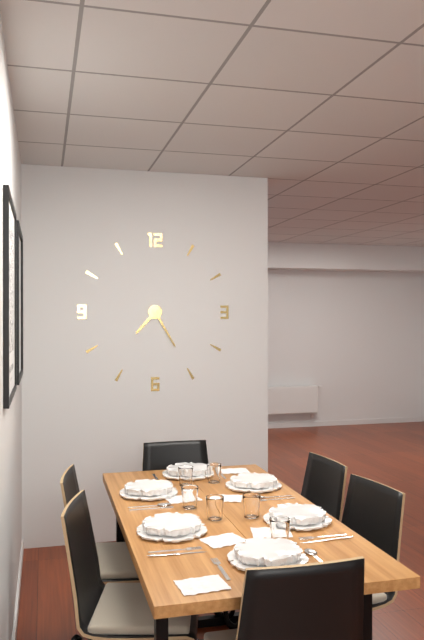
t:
7:25
